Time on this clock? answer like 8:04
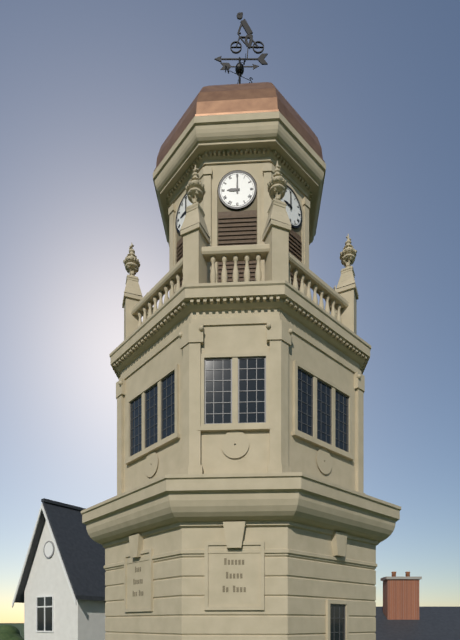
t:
9:00
